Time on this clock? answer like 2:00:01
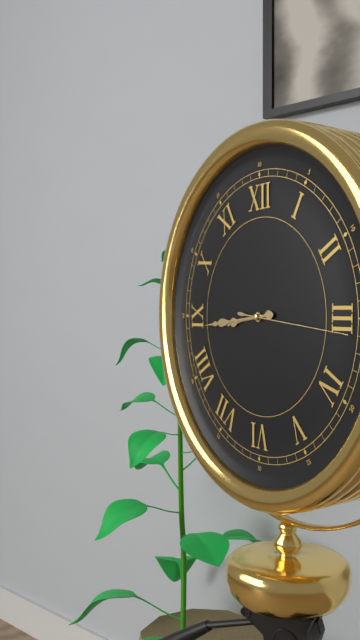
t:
8:44:16
